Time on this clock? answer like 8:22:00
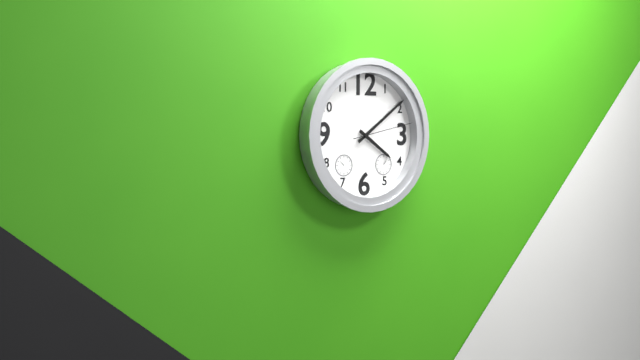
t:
4:09:13
